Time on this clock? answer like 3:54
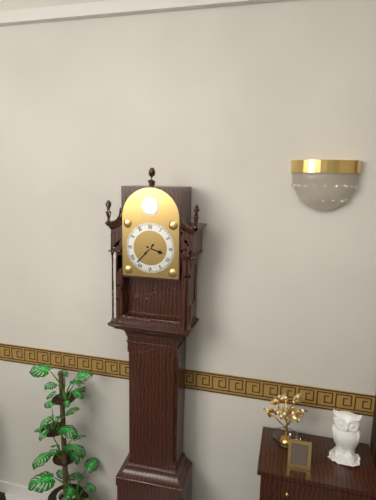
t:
3:37
